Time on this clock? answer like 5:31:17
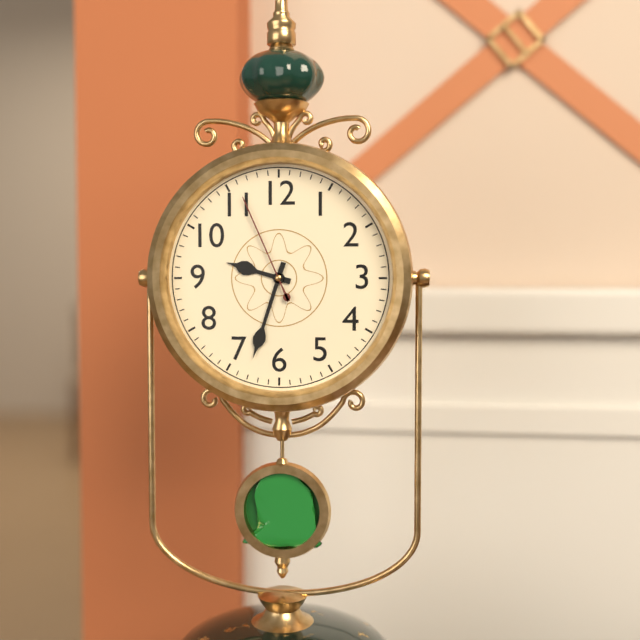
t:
9:33:56
